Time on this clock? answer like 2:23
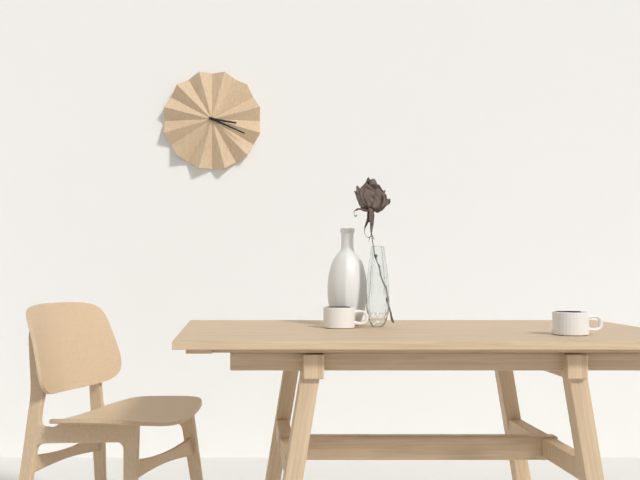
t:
3:19
